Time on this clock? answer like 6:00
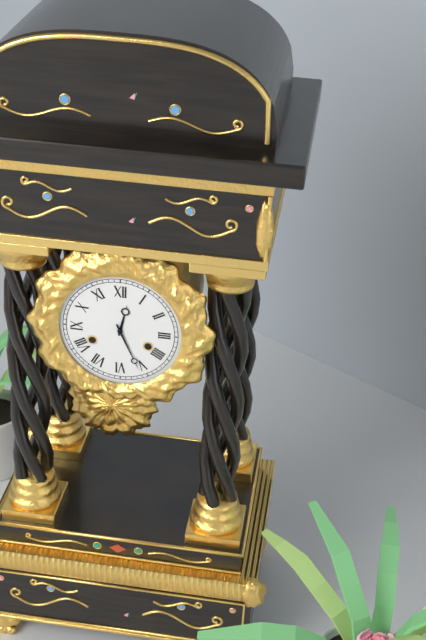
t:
12:26
